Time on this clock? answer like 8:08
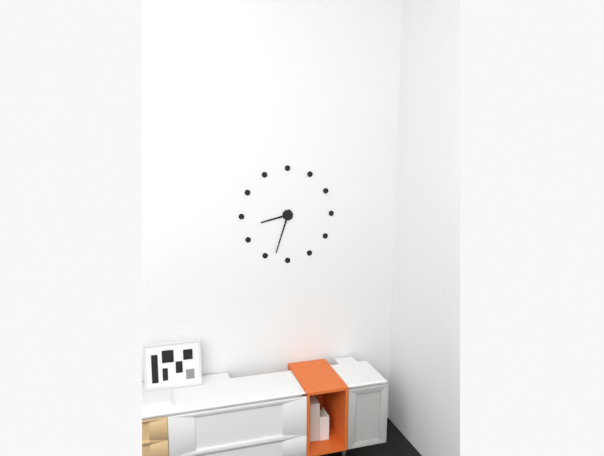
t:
8:33
